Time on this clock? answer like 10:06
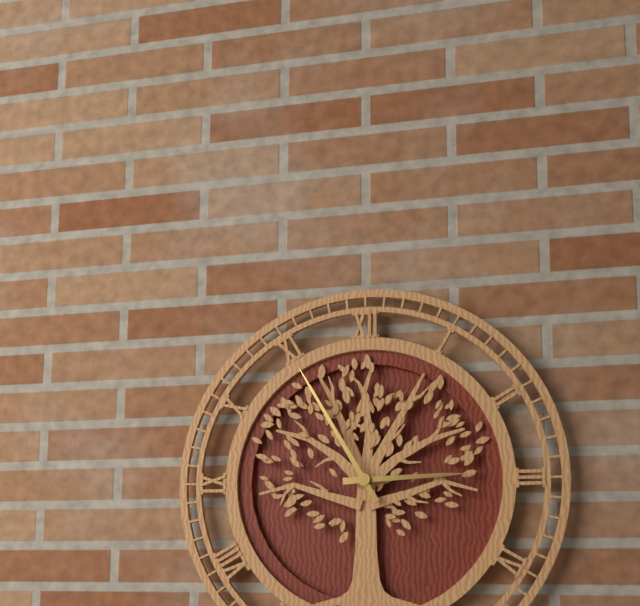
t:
2:55
